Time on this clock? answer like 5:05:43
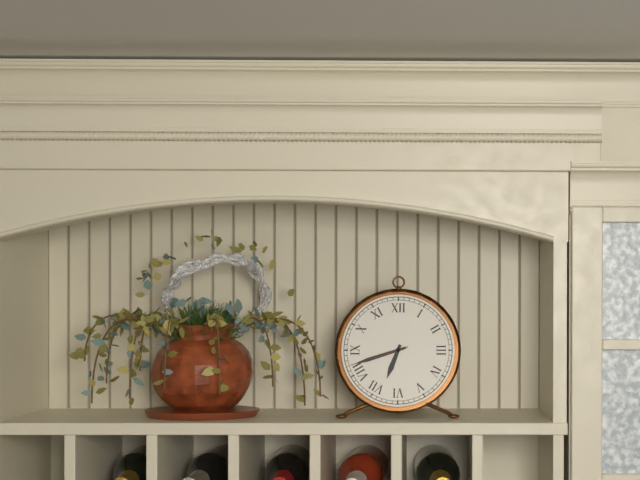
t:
6:42:42
